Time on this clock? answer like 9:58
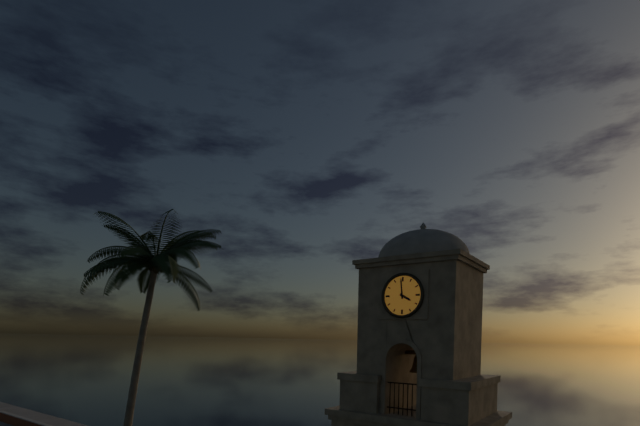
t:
3:59
